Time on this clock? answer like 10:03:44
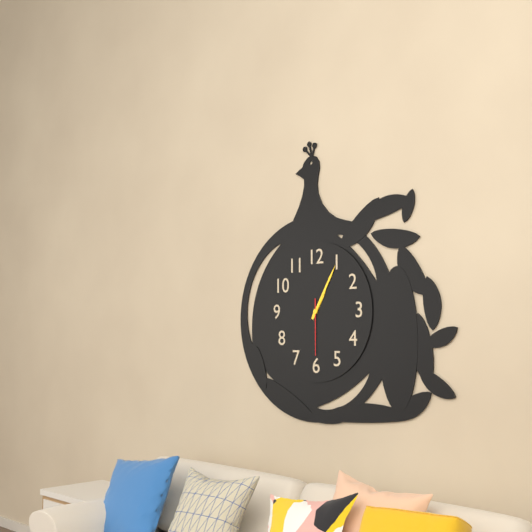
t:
1:05:30
